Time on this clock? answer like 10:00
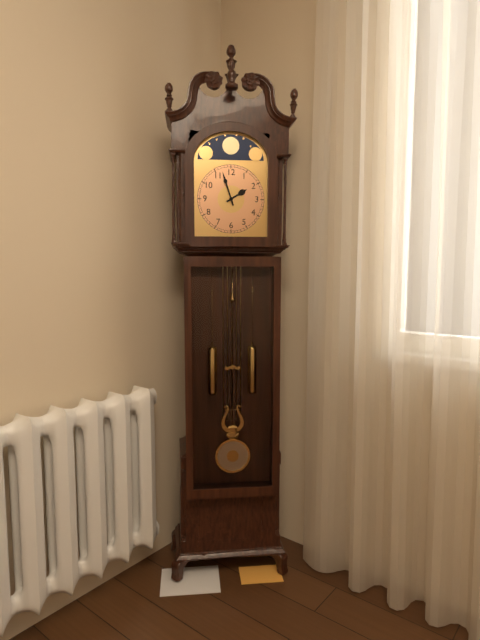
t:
1:57
